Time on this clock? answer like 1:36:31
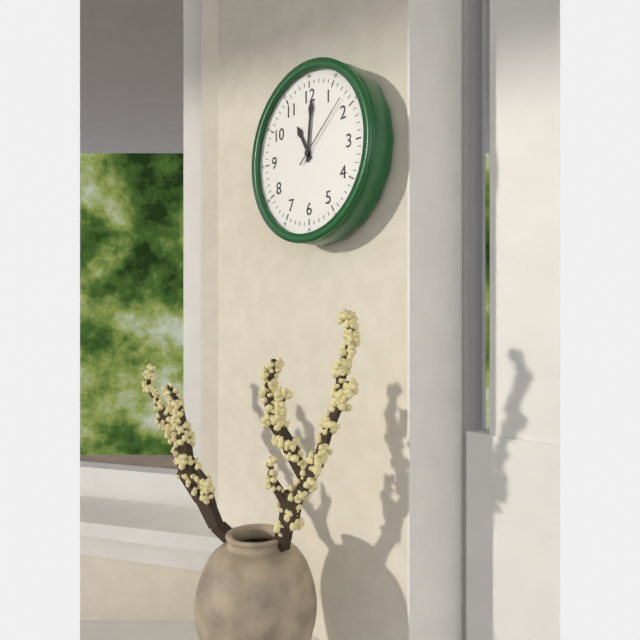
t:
11:01:08
